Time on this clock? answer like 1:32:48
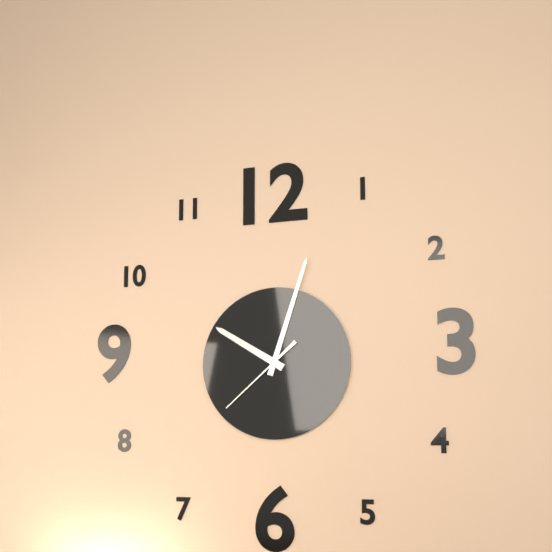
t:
10:03:38
